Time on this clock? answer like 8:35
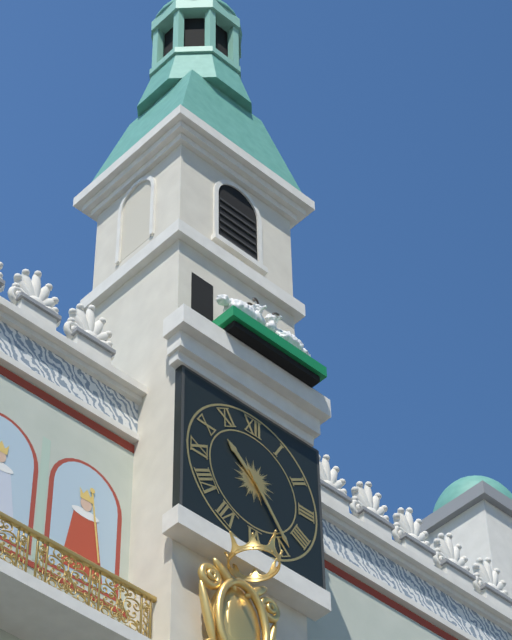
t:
10:24
